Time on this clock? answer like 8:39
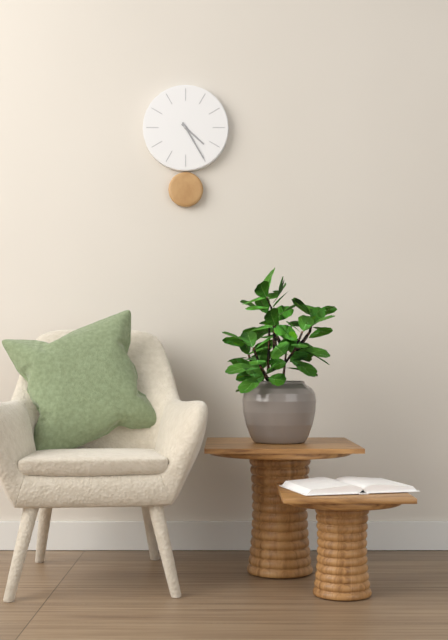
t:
4:25
